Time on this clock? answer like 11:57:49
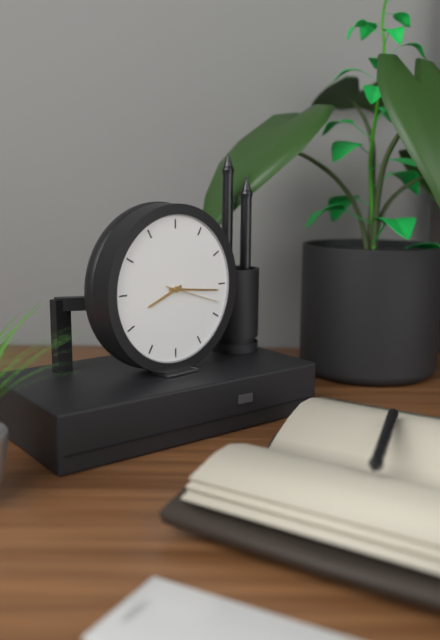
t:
8:16:18
